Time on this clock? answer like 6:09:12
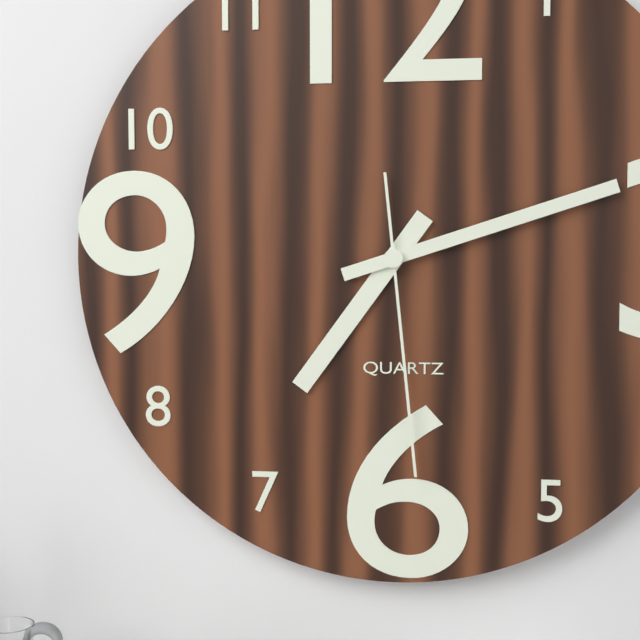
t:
7:12:29
